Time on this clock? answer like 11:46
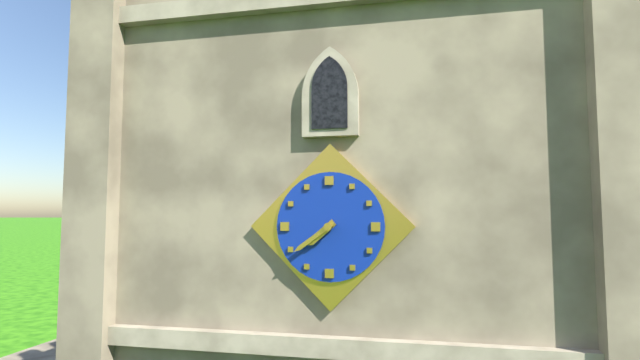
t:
7:39
